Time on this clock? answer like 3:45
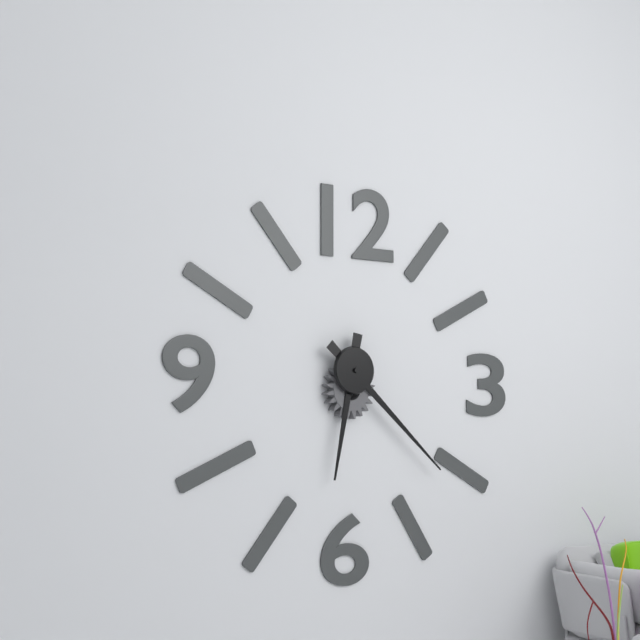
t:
6:22
